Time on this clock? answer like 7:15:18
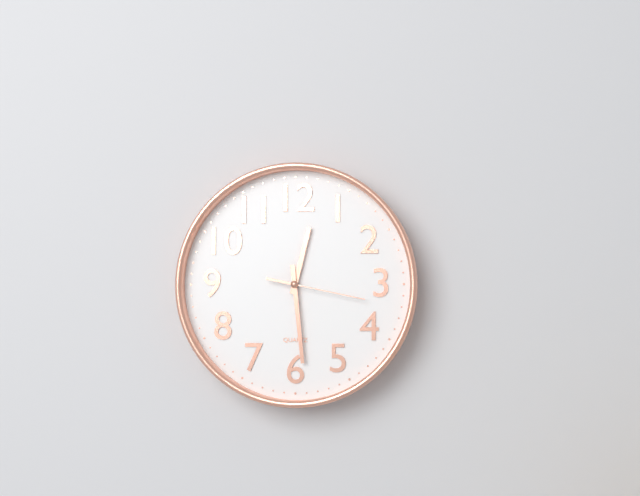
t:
12:29:17
